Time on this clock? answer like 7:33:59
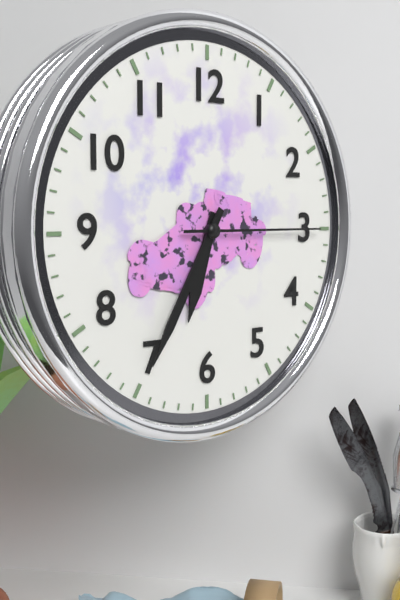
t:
6:35:15
